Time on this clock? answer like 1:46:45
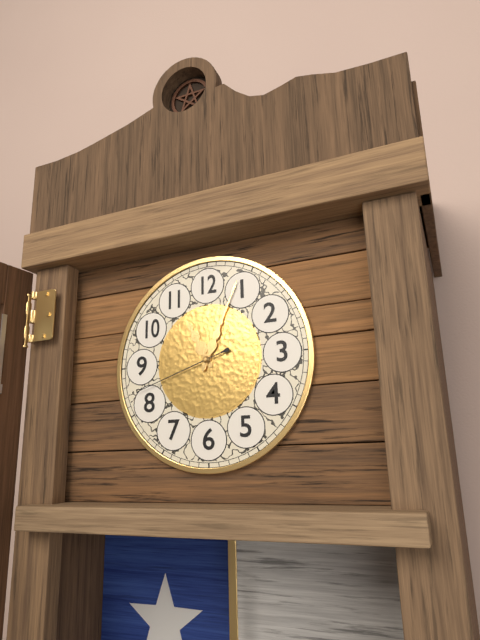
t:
11:04:42
